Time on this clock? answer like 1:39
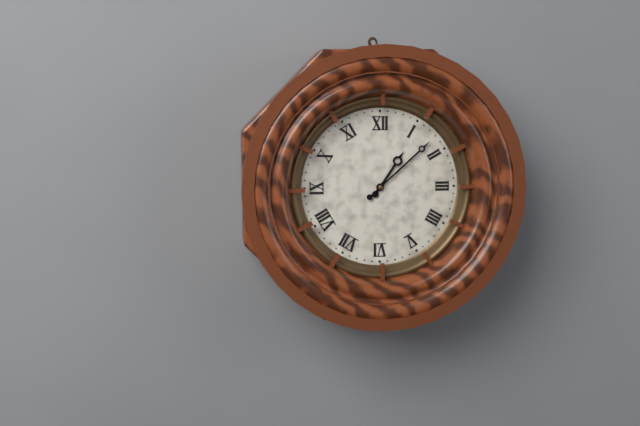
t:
1:08
